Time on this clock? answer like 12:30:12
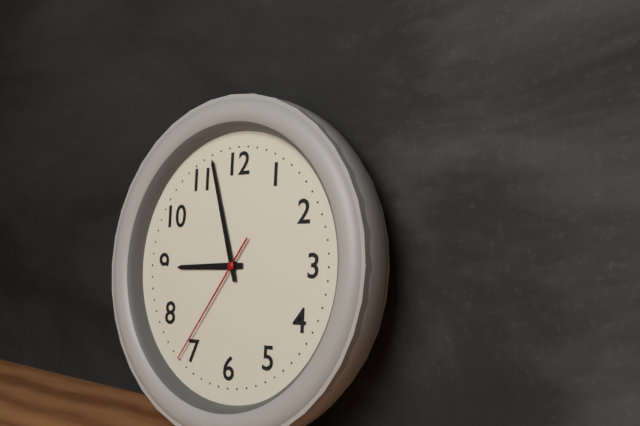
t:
8:57:36
